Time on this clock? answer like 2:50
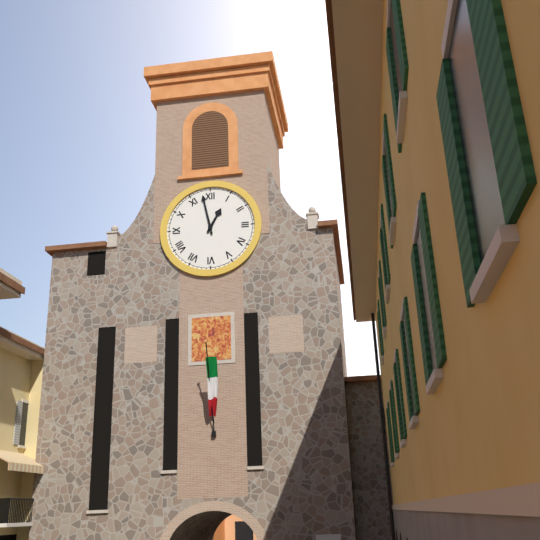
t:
12:58
